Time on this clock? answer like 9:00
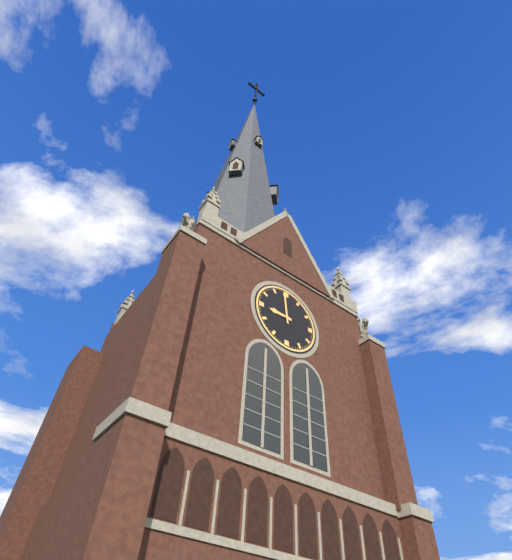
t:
8:59
